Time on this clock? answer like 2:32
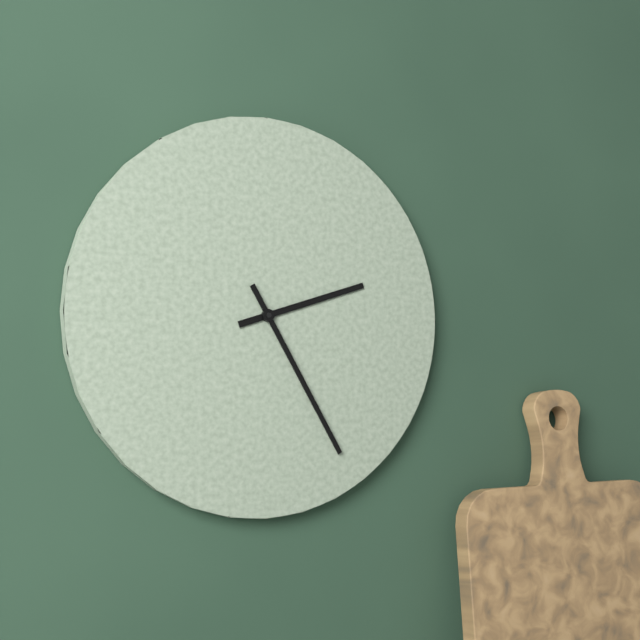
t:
2:25
